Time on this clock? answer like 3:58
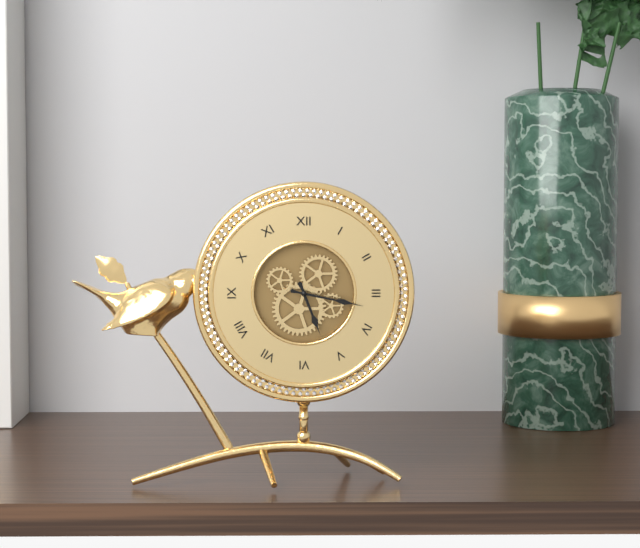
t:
5:17
